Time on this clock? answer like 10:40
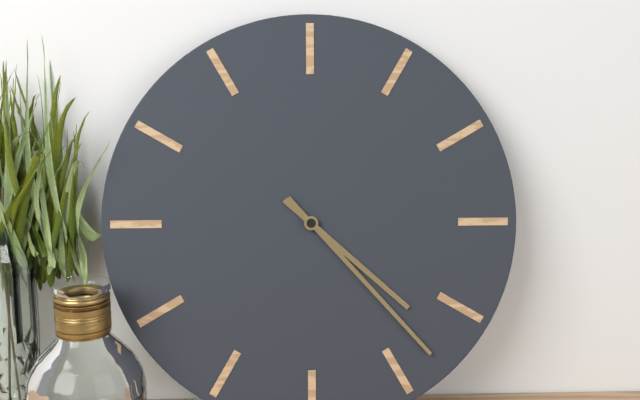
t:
4:23
